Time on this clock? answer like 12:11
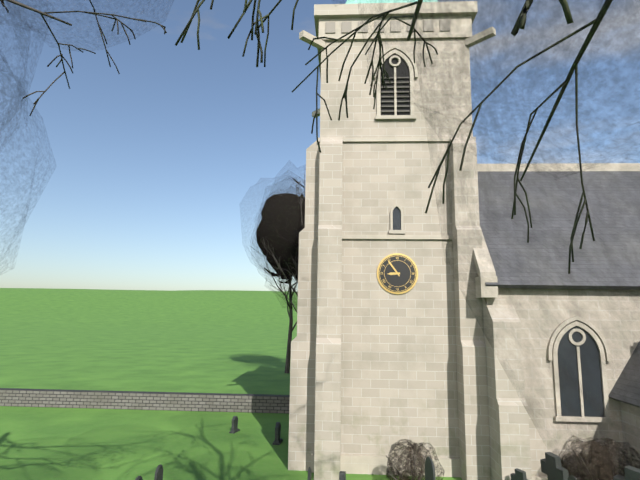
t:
8:54
